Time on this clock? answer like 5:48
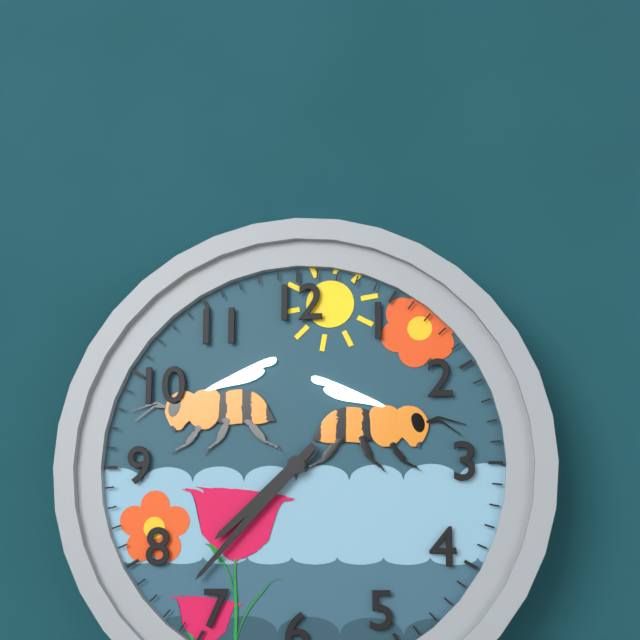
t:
7:37
